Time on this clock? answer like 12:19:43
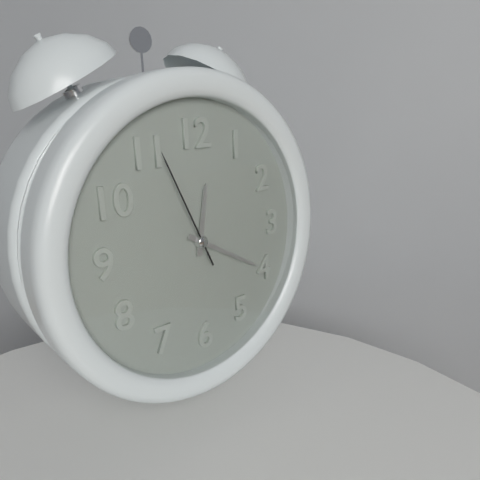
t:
12:20:56
